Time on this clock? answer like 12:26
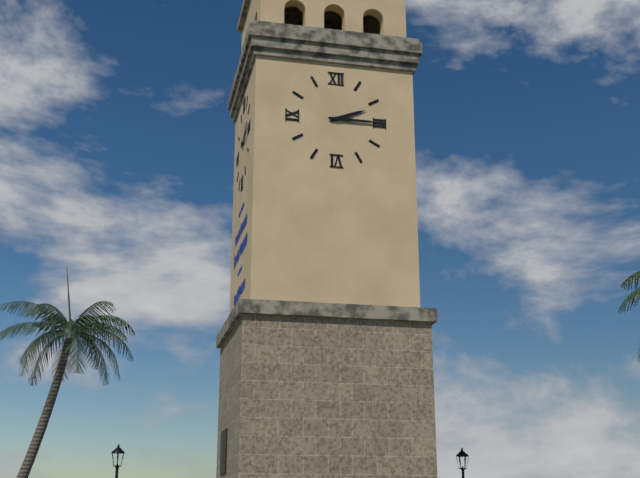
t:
2:15
